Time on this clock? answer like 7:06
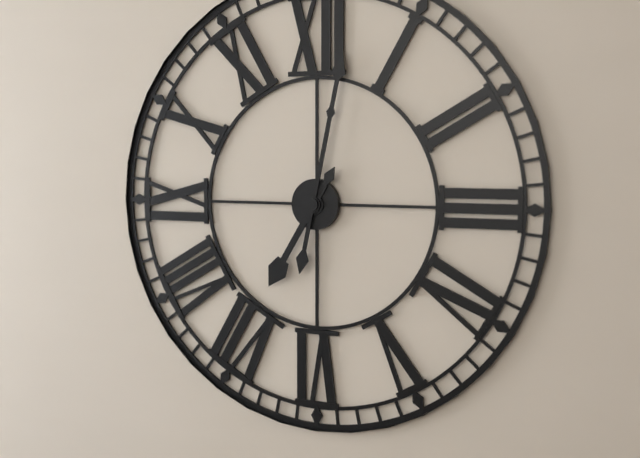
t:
7:02
